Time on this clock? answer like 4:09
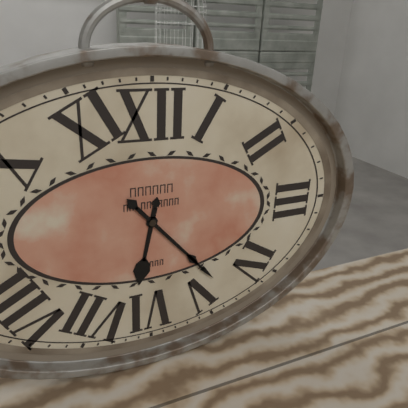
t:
6:23
